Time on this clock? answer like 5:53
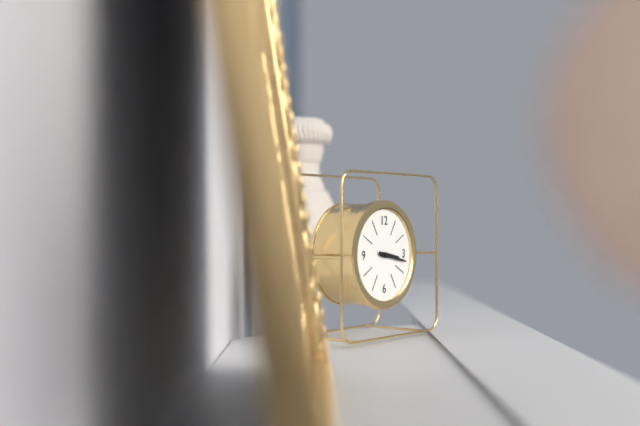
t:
3:17
